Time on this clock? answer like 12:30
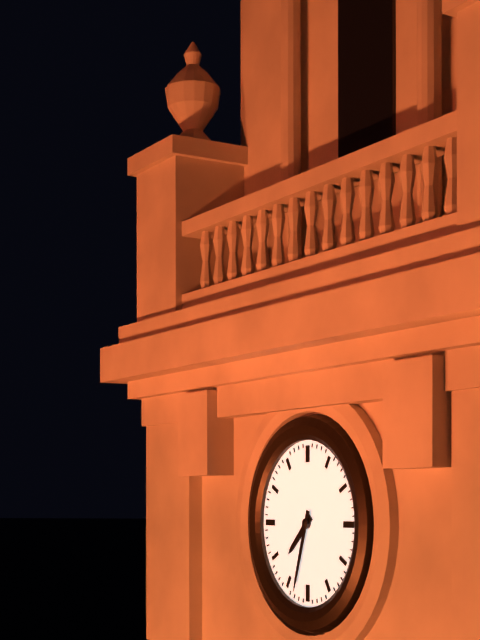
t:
7:33
